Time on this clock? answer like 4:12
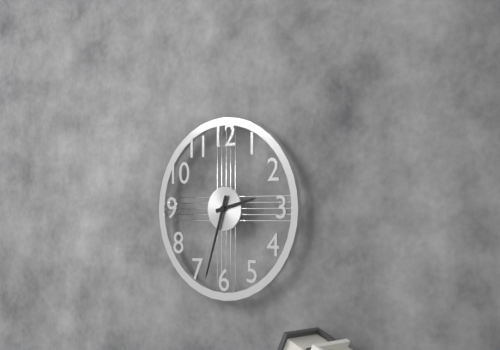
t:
2:33
